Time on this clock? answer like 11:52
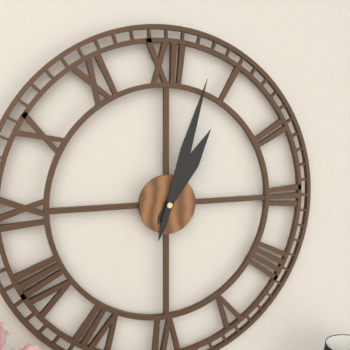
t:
1:03
